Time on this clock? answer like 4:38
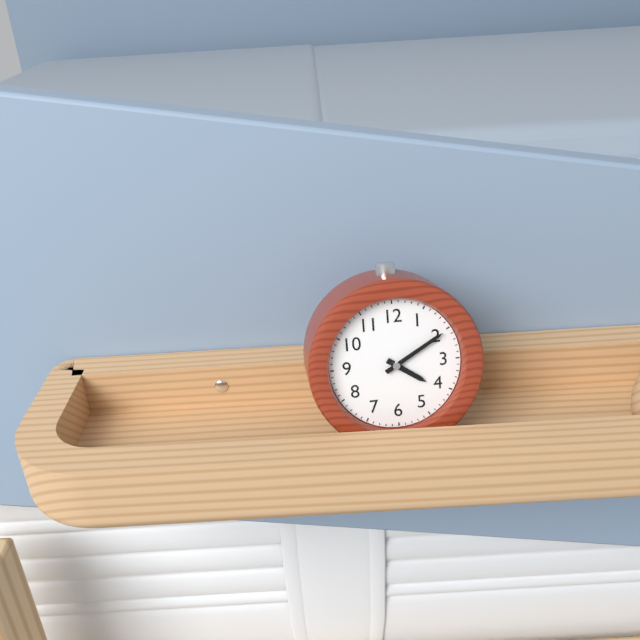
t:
4:10
